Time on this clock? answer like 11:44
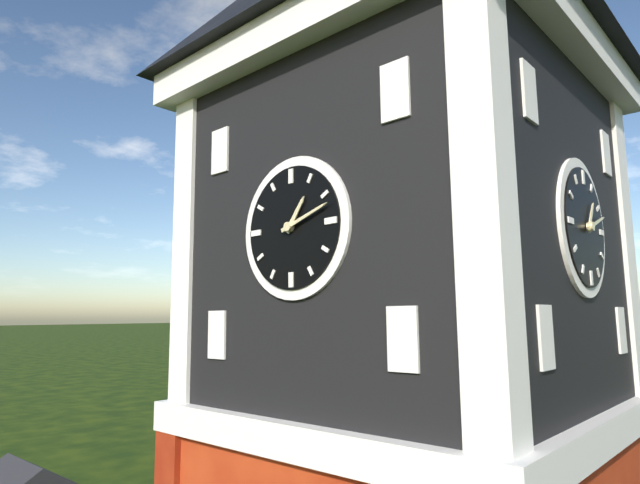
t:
1:12
